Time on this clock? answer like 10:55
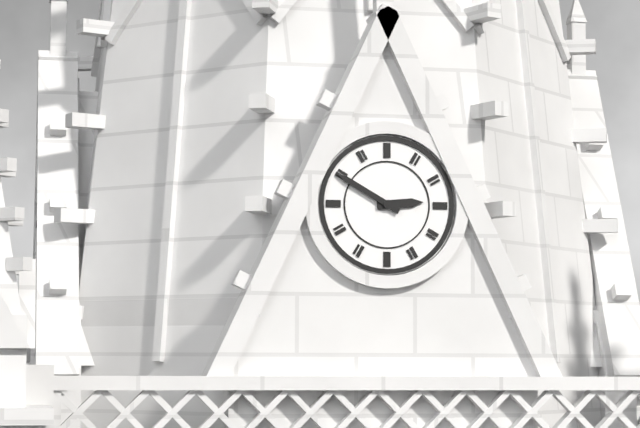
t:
2:50
